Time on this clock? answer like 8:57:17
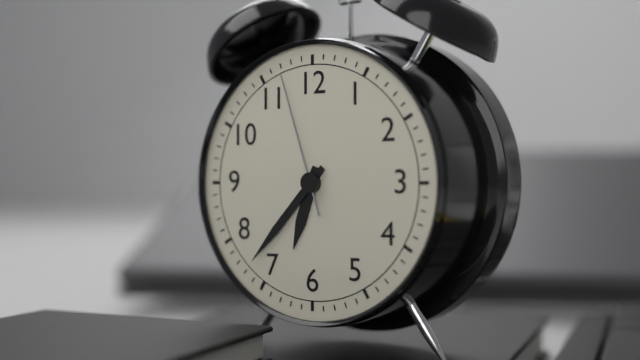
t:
6:37:57
